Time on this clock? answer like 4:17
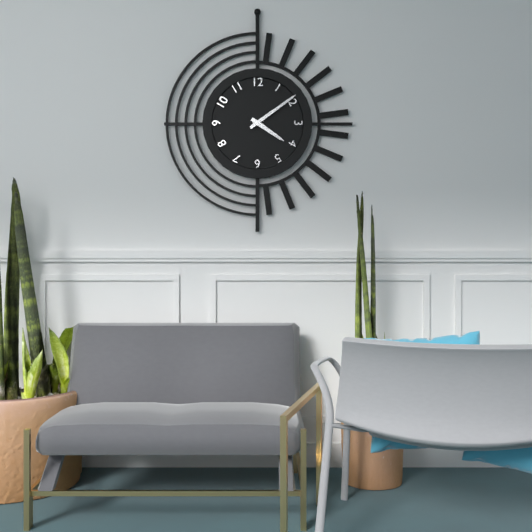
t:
4:09
